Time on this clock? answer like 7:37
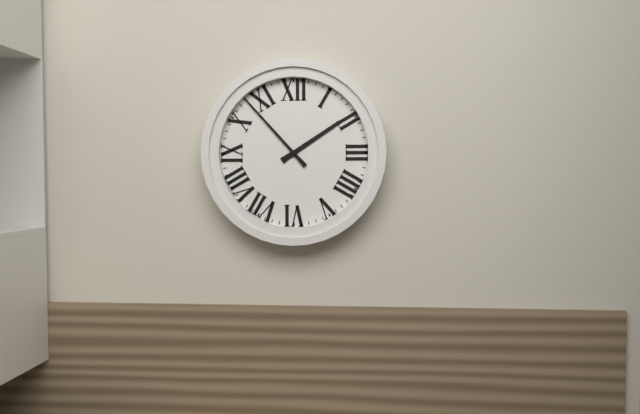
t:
1:53
